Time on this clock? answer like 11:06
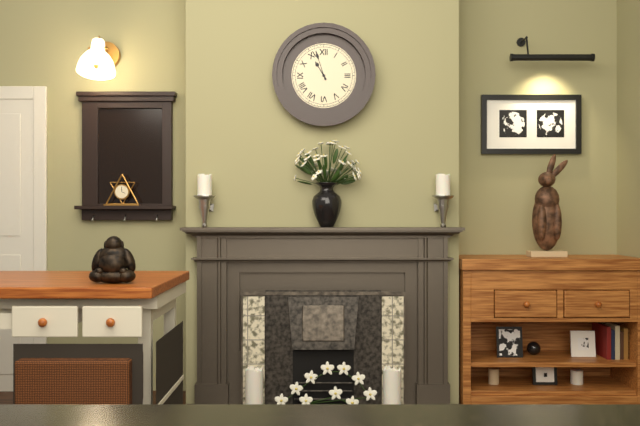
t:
10:57
